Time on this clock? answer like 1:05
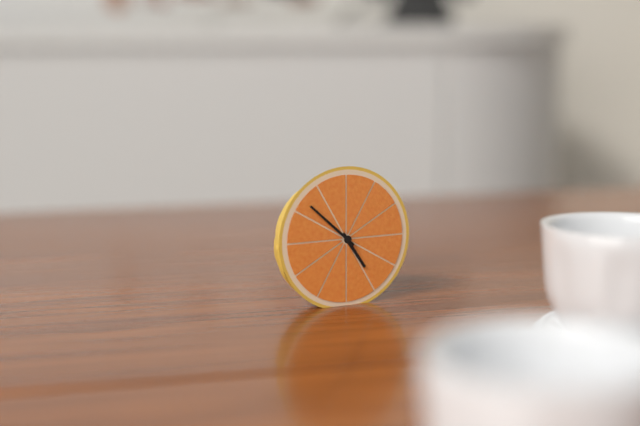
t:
4:52
